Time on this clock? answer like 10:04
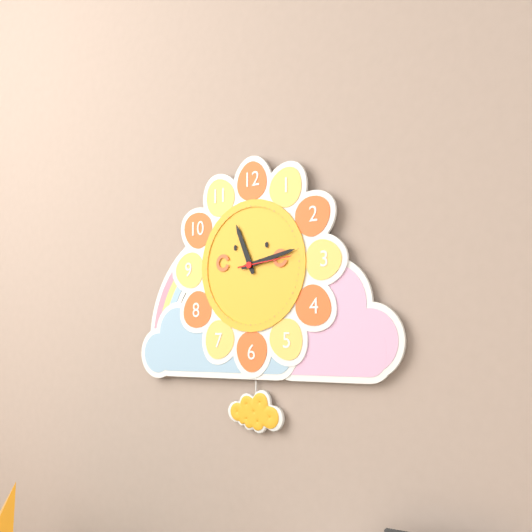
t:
11:13
